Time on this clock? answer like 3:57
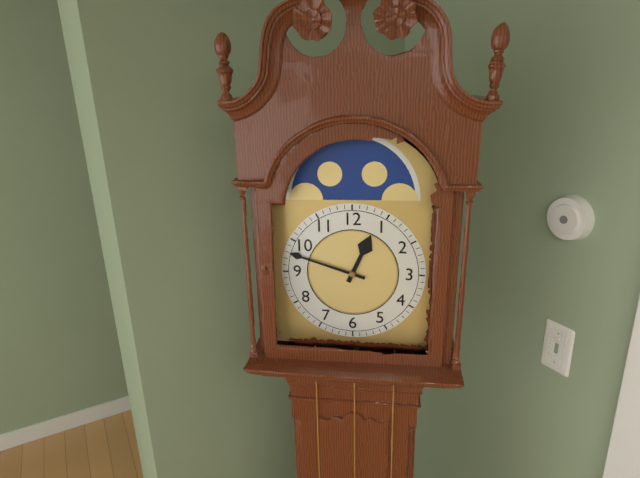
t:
12:48
